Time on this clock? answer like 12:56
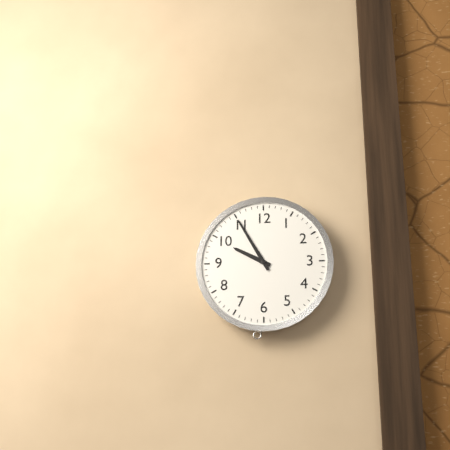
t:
9:55
